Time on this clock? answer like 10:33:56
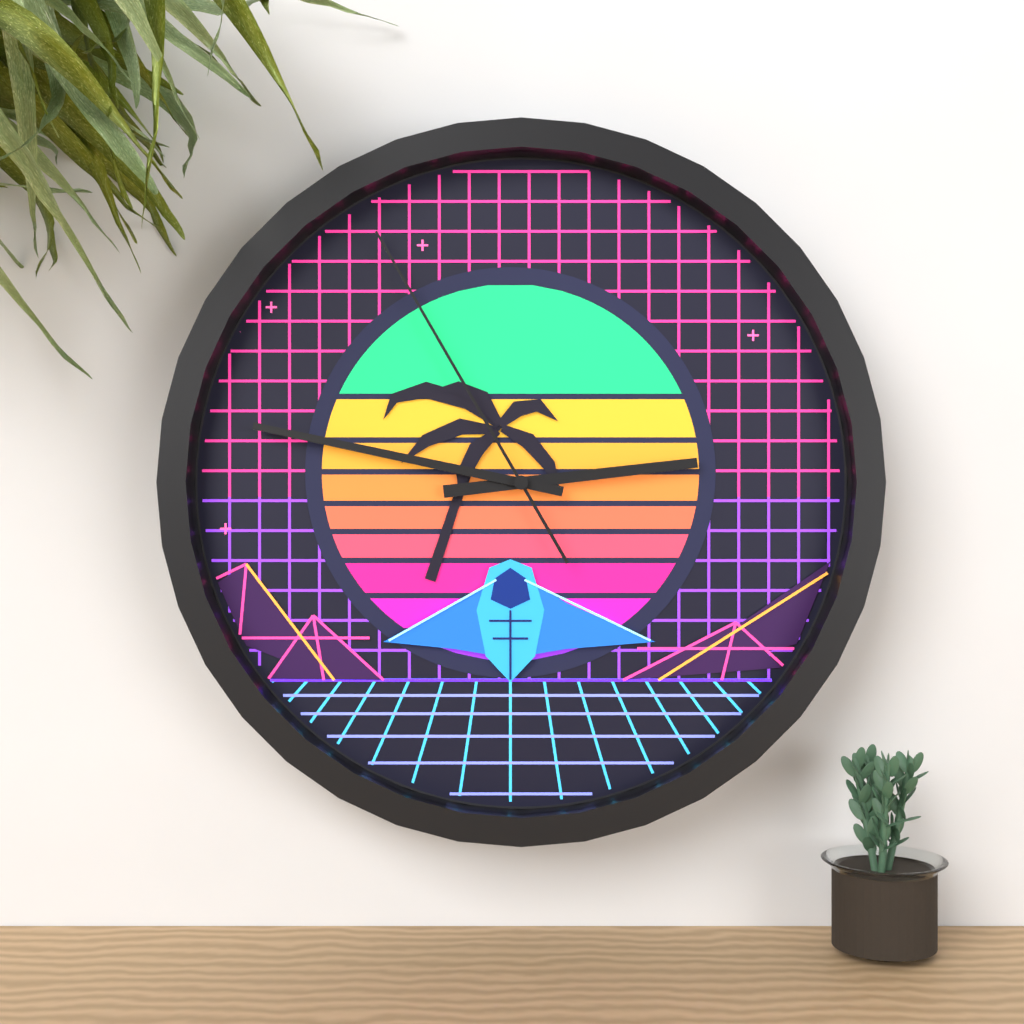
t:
2:47:55
